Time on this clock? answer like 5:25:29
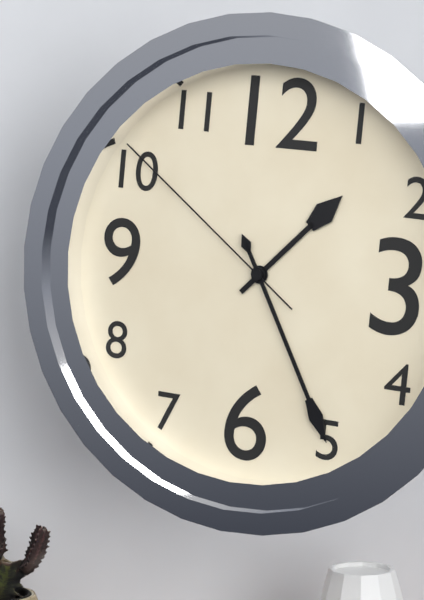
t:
1:25:51
